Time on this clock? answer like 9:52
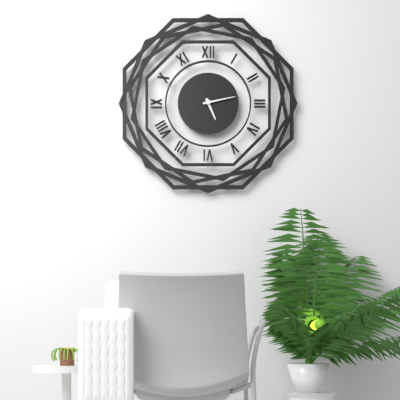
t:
5:13
